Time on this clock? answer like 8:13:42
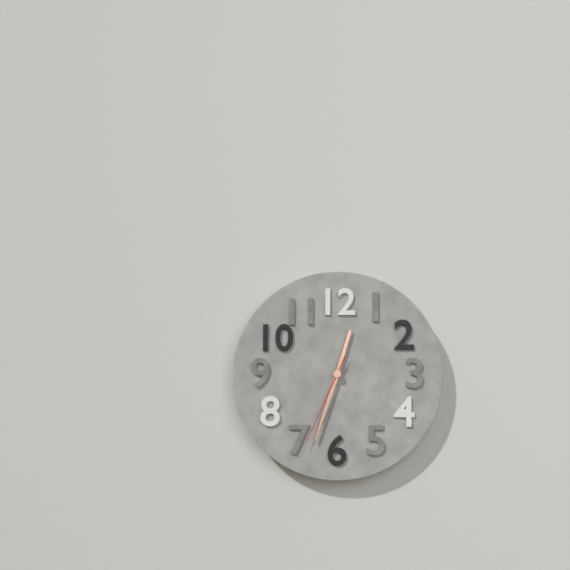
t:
12:33:34
